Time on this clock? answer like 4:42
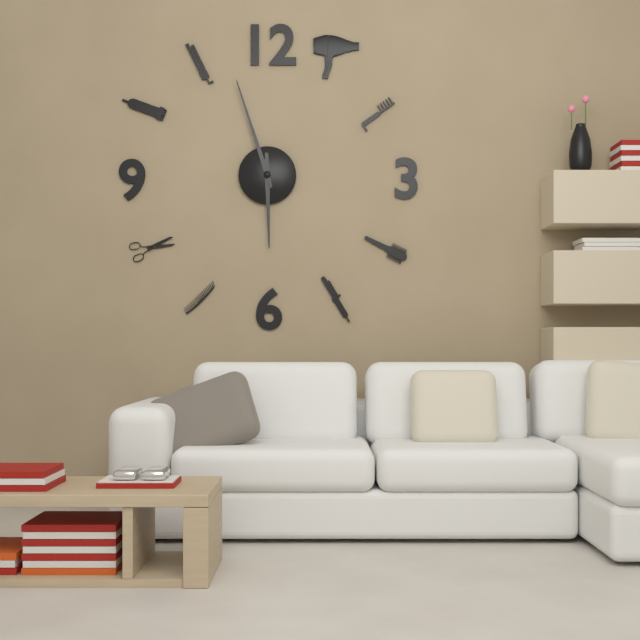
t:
5:57
